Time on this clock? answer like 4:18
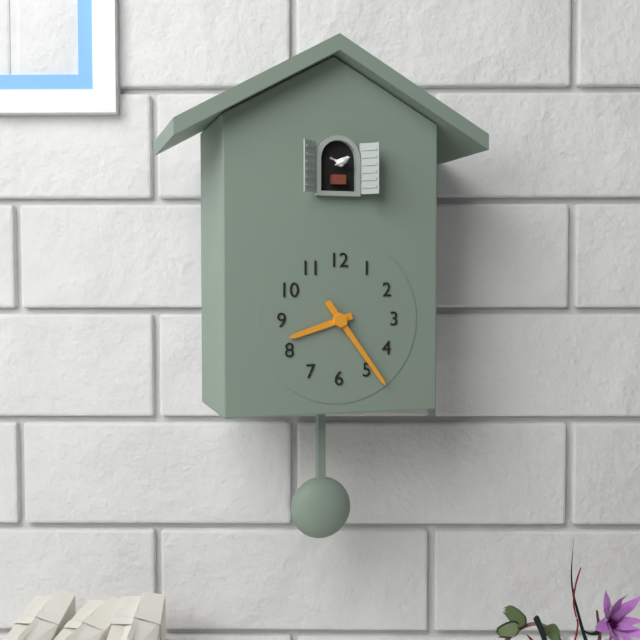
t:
8:24
